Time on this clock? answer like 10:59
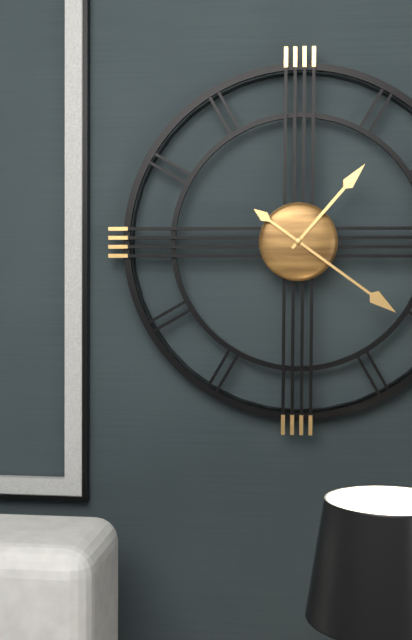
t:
1:21
